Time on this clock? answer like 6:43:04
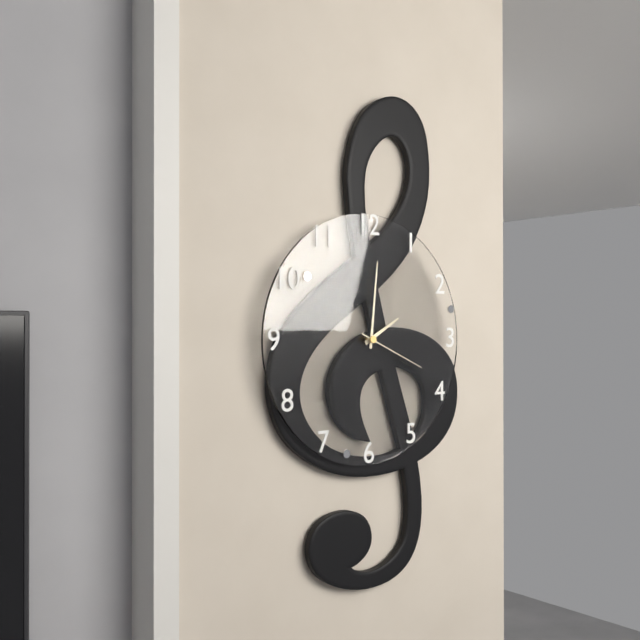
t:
2:01:19
